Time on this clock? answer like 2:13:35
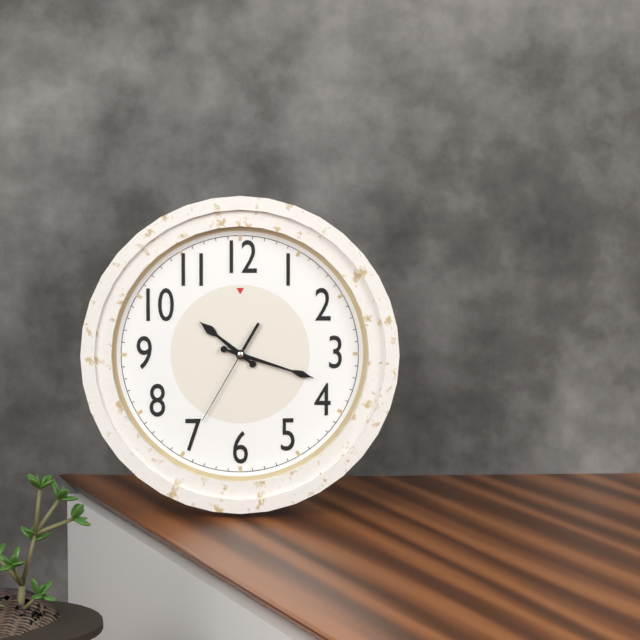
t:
10:18:35
